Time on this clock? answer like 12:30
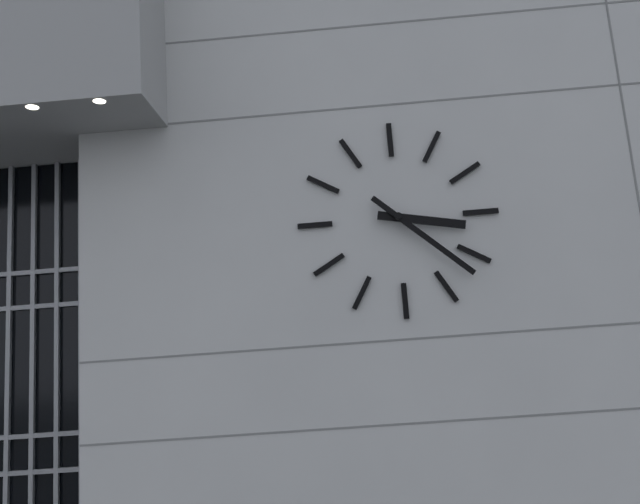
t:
3:22
